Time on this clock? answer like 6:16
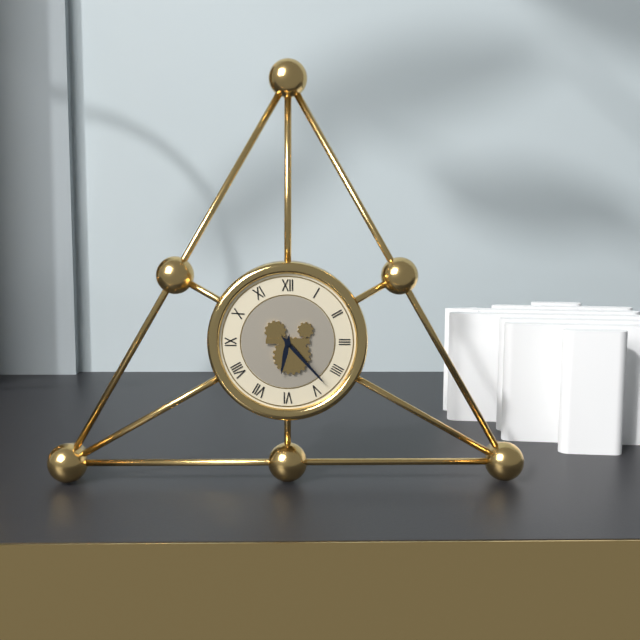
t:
6:23
